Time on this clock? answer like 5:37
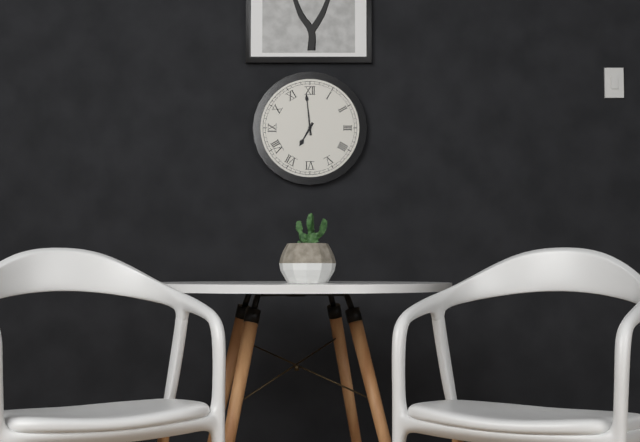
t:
6:59
